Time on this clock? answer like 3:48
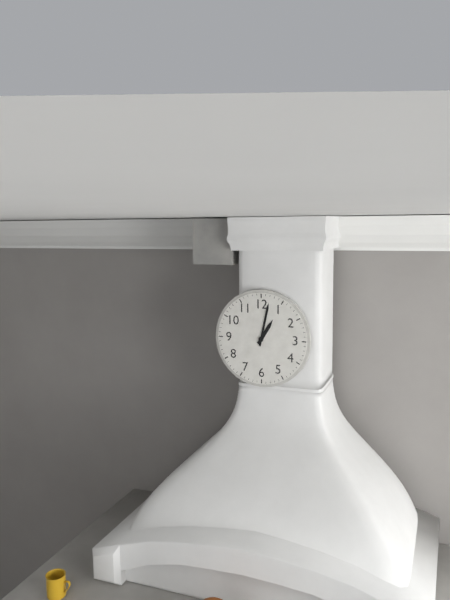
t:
1:02
